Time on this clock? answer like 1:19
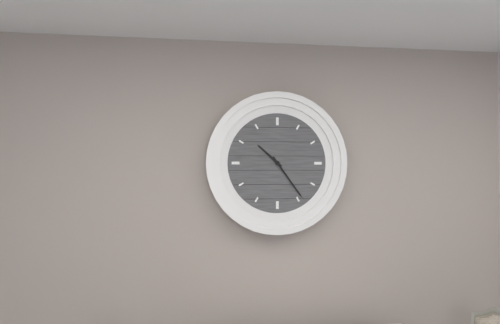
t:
10:24
